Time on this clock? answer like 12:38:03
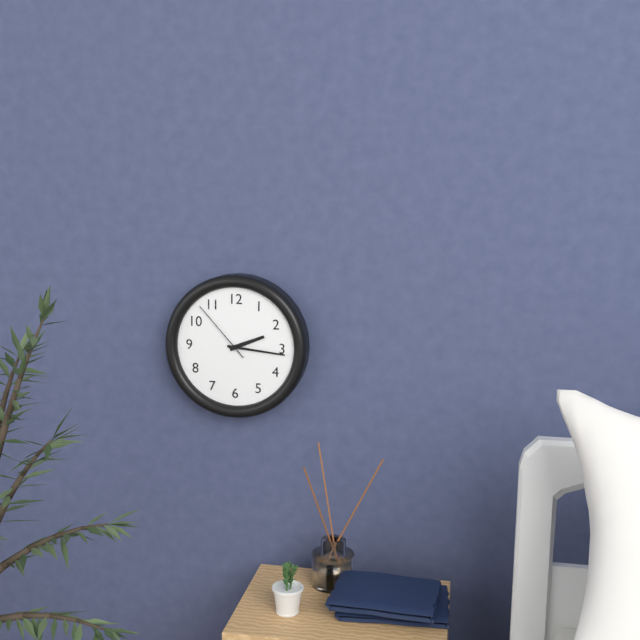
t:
2:16:53
